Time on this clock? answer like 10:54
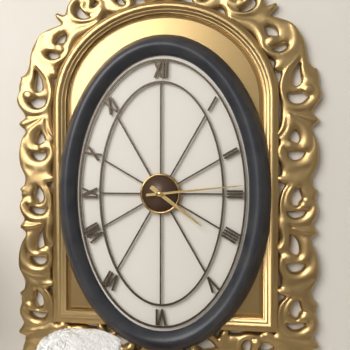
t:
4:14
